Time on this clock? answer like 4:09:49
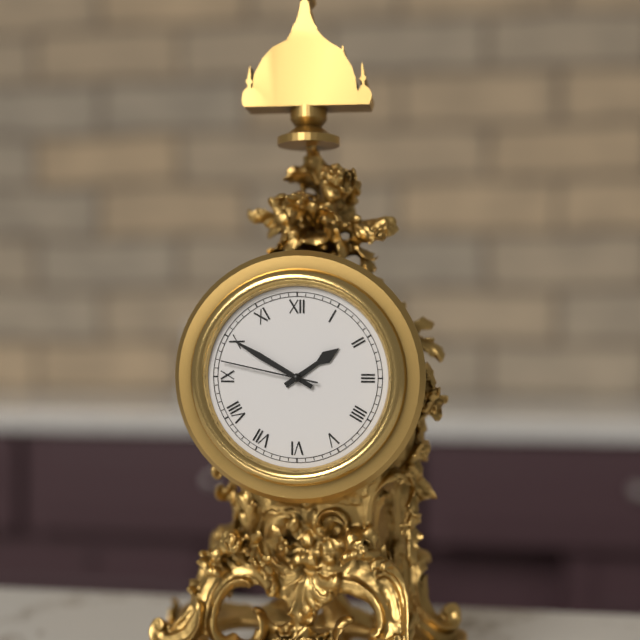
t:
1:50:47
